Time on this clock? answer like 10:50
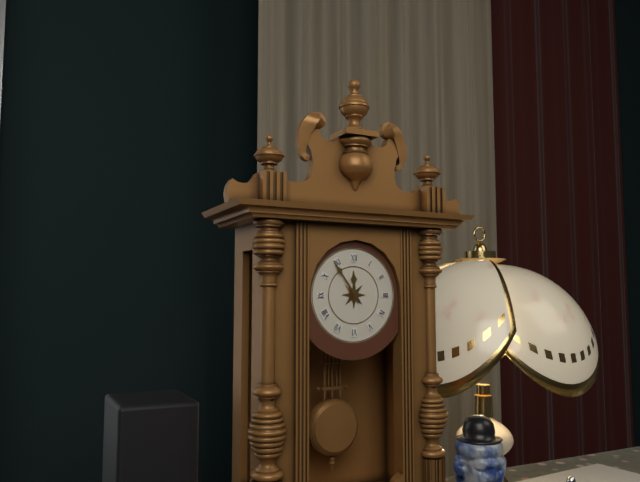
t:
11:54
